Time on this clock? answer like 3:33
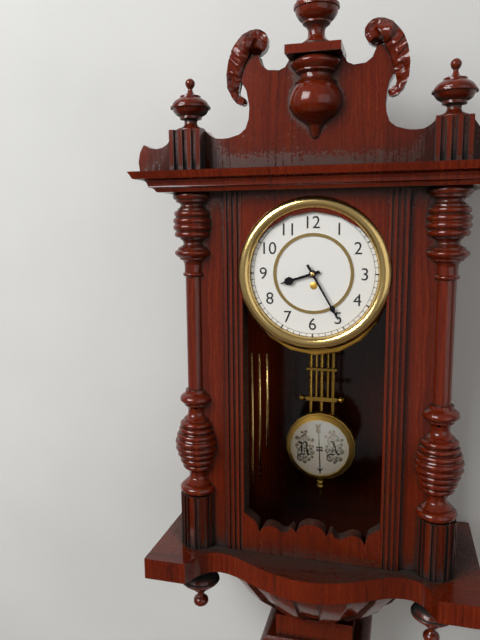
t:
8:25
